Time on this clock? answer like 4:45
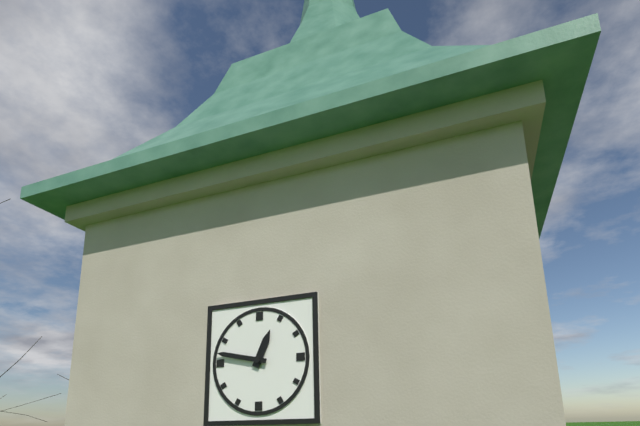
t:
12:47
